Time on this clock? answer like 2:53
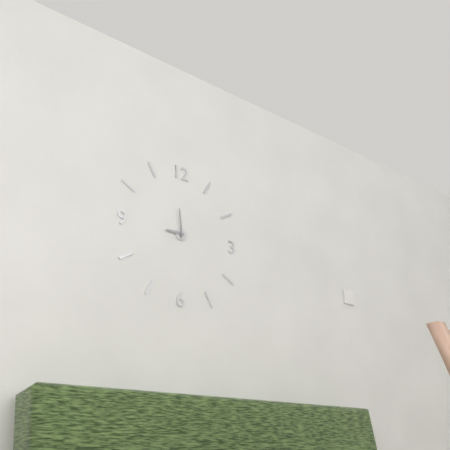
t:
8:59
